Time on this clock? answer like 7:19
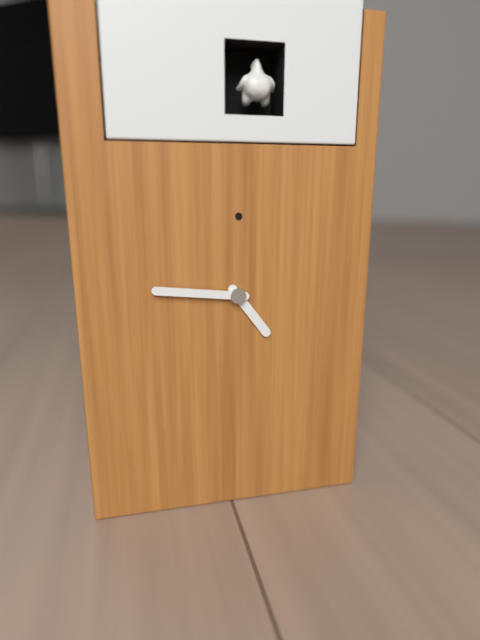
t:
4:46
